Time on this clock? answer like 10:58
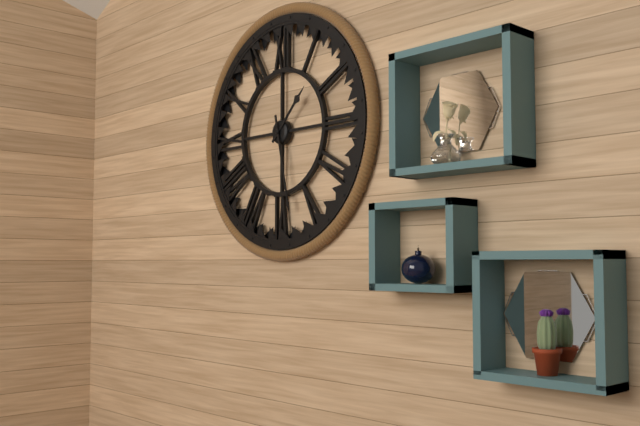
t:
1:28
